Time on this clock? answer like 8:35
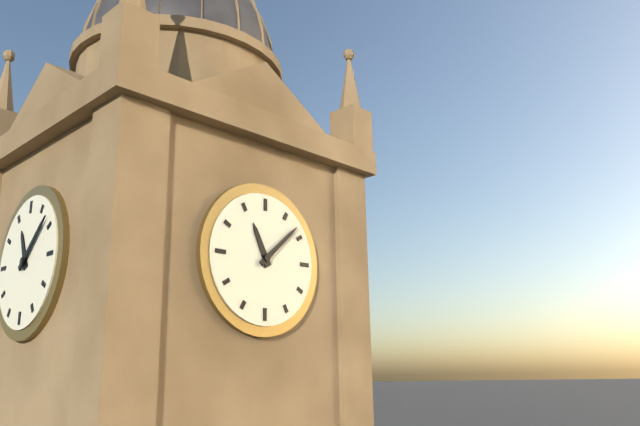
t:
11:08
